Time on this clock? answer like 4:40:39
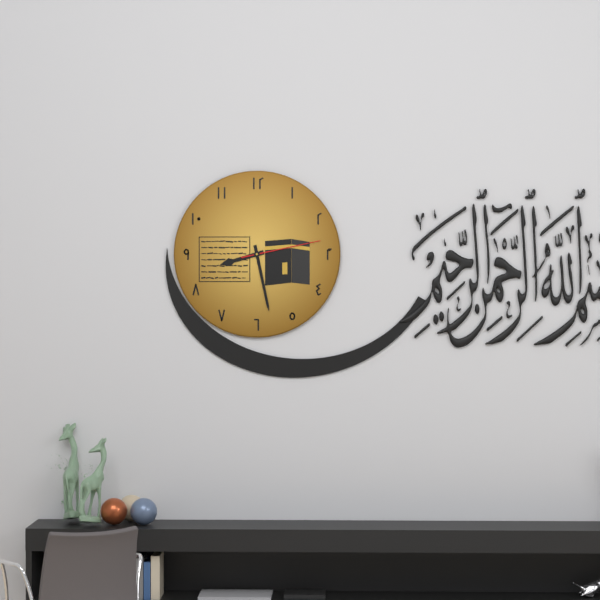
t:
8:28:13
